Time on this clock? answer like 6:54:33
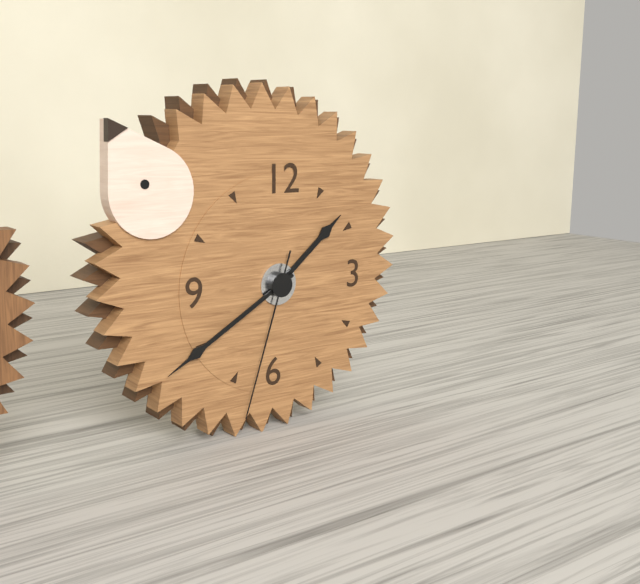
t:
1:40:33
